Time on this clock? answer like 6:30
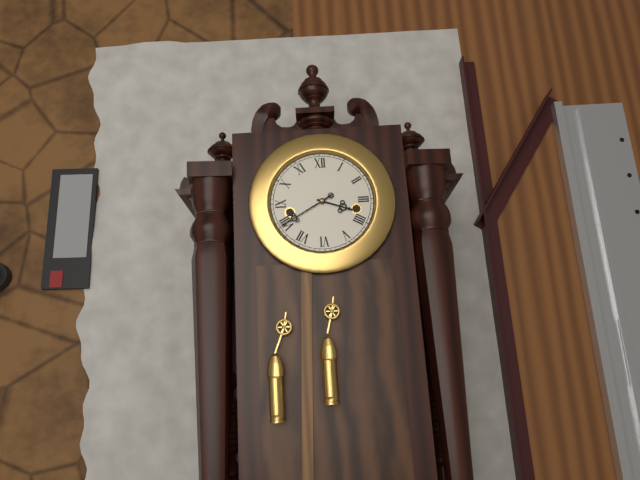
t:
3:40
